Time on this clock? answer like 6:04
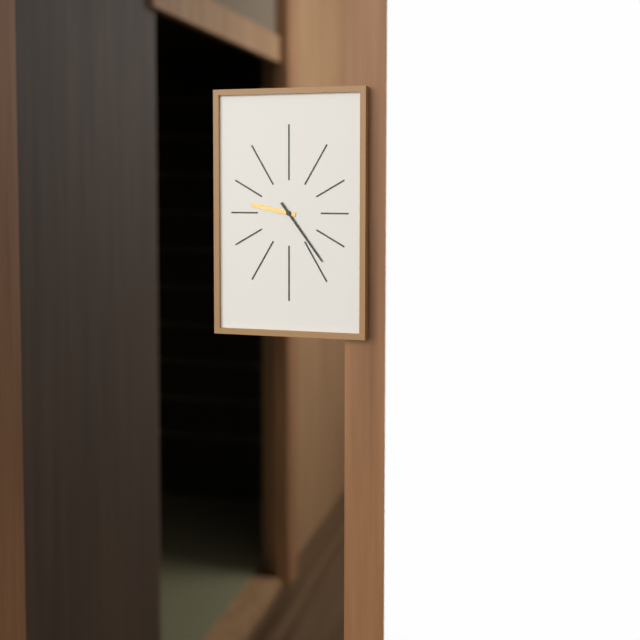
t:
9:24
